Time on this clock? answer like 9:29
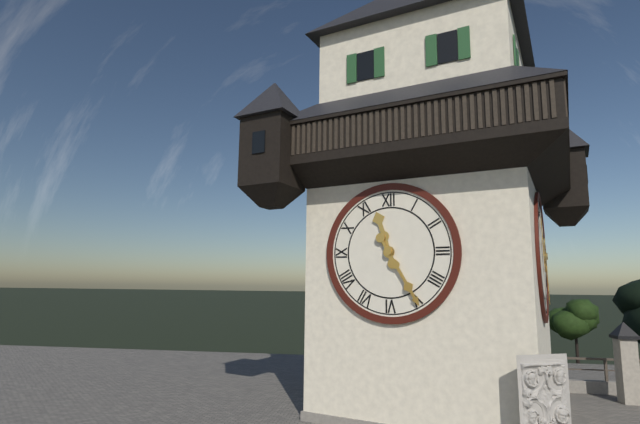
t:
11:25
